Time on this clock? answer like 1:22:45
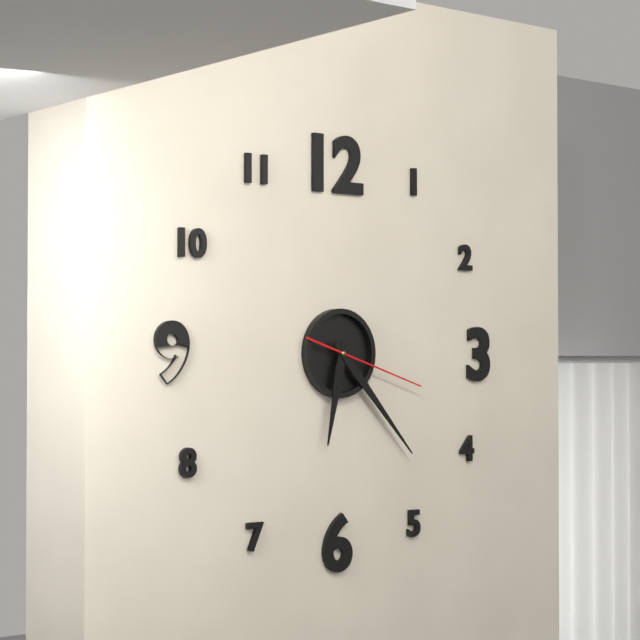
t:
6:23:18
